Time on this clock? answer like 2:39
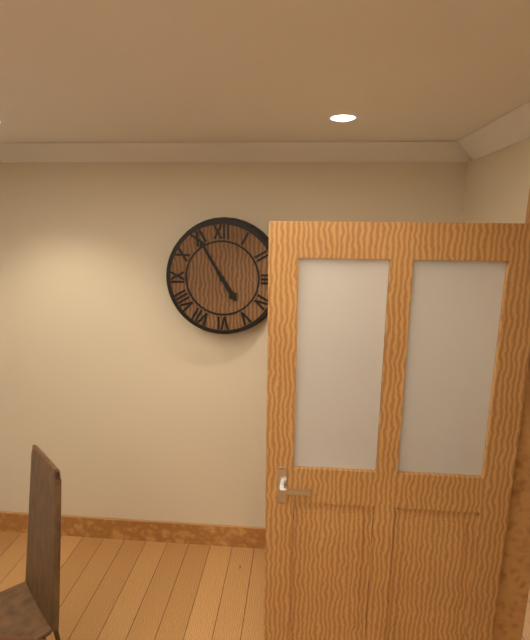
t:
4:55
